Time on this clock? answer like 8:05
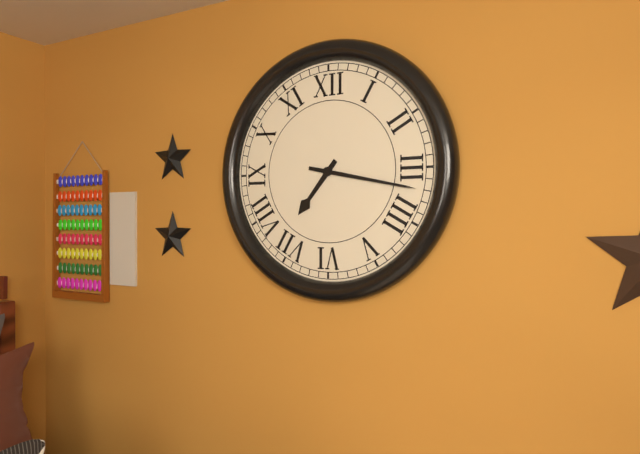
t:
7:17
